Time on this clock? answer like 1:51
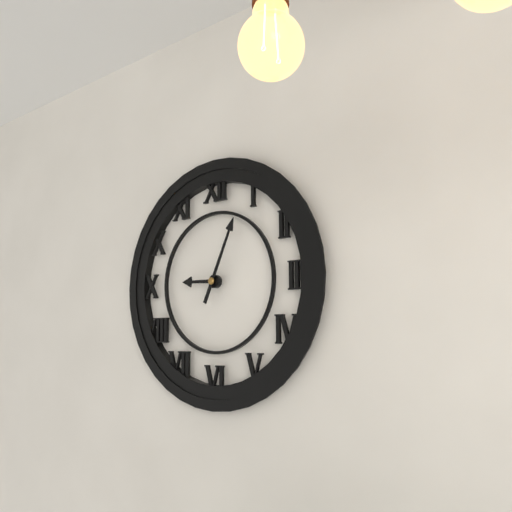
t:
9:04
